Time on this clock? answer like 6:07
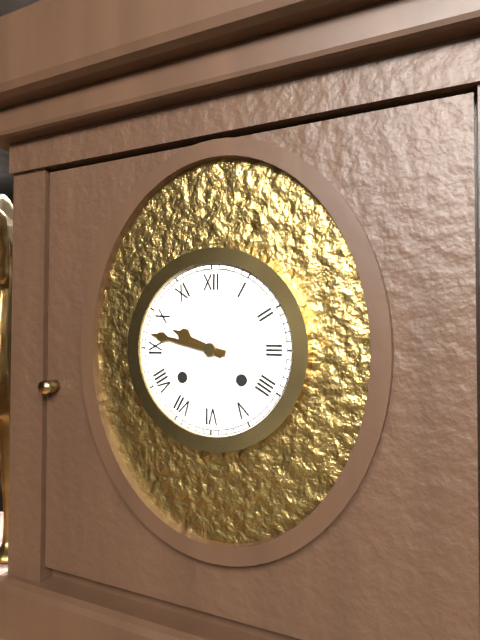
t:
9:47
